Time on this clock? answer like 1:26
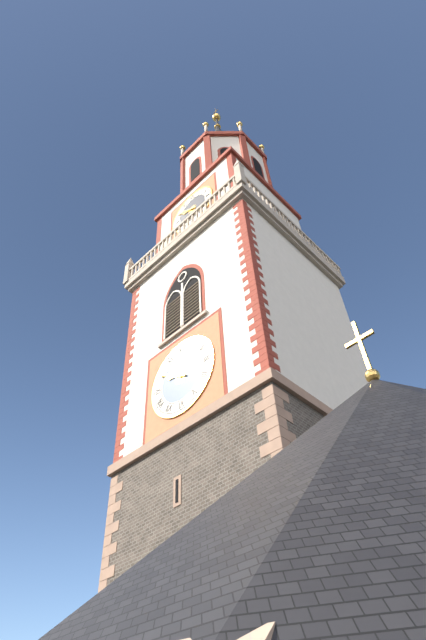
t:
9:50
